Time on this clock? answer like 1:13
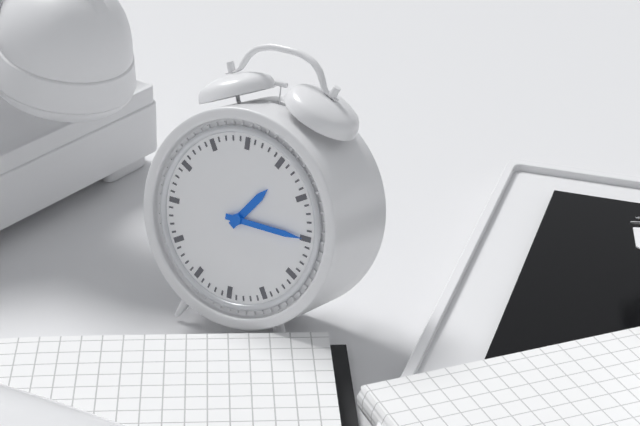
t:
1:15
